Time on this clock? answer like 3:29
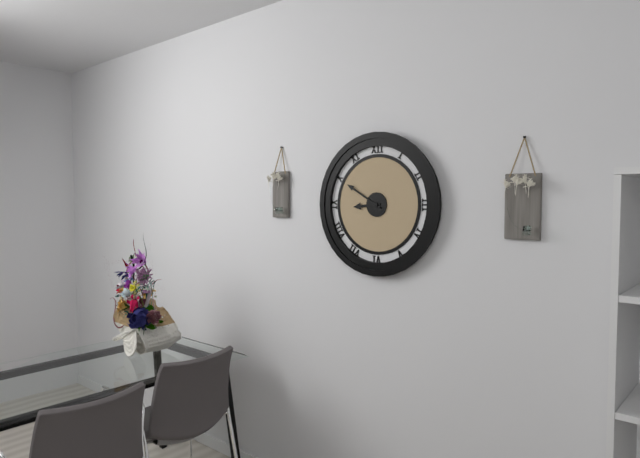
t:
8:50
